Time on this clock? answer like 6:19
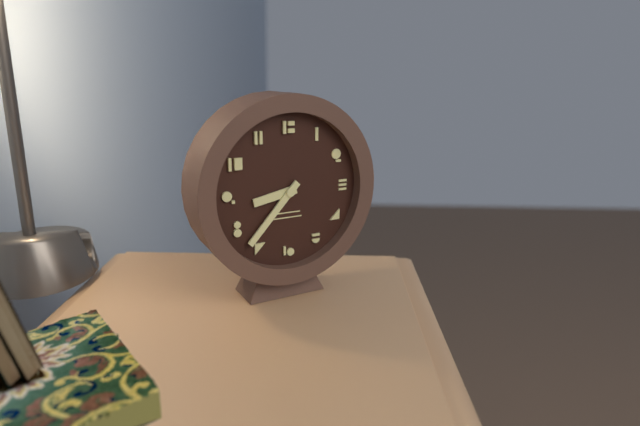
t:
8:37
